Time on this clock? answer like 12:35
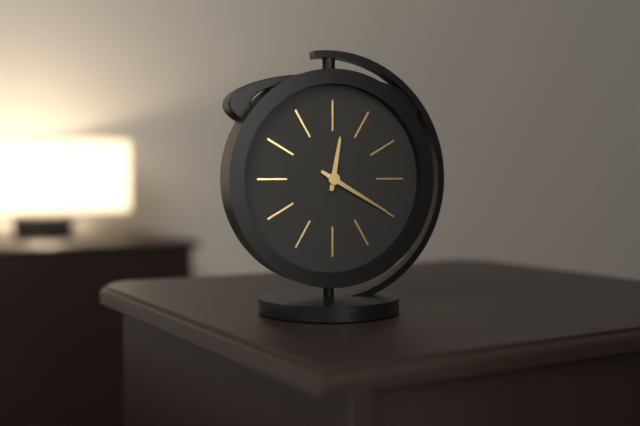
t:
12:20
